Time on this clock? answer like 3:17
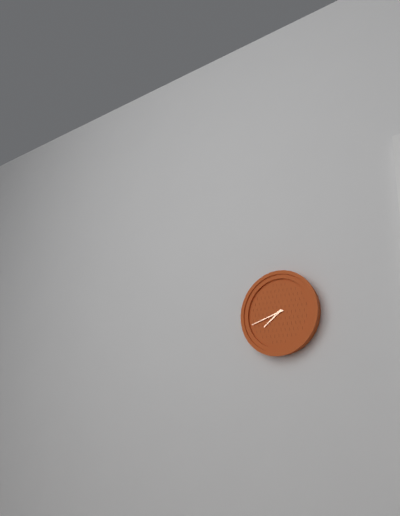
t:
7:42
